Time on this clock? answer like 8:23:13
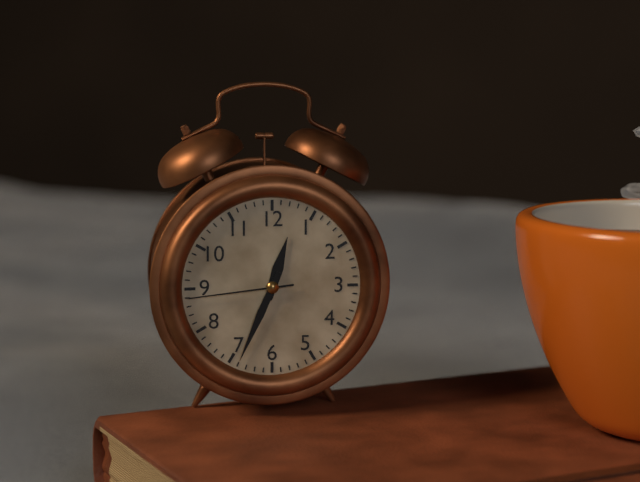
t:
12:34:44
